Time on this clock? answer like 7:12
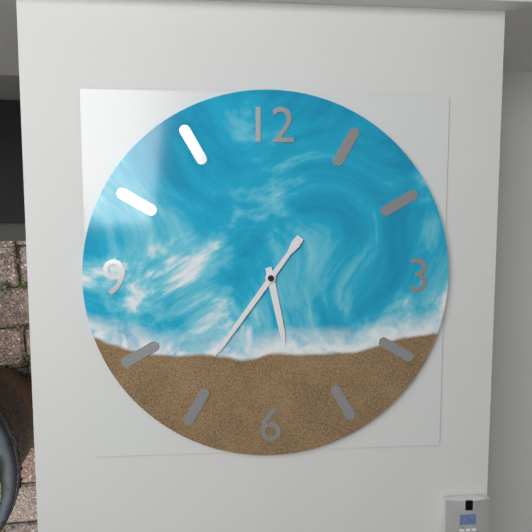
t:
5:36
